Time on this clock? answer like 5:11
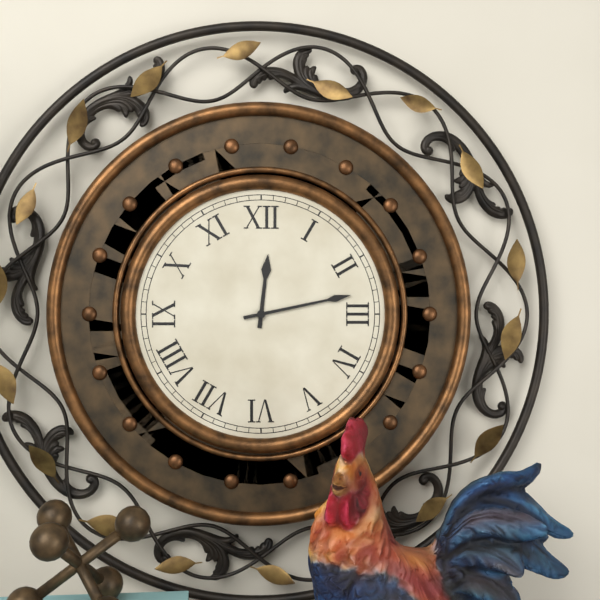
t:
12:13
